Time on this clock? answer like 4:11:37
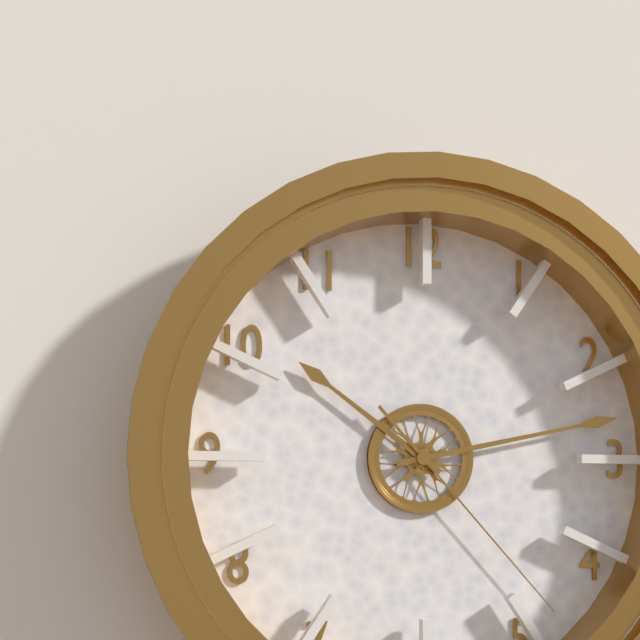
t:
10:13:23
